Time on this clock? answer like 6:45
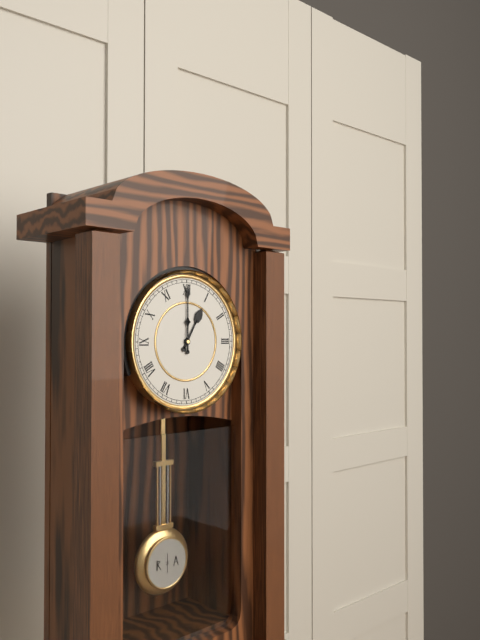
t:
1:00
